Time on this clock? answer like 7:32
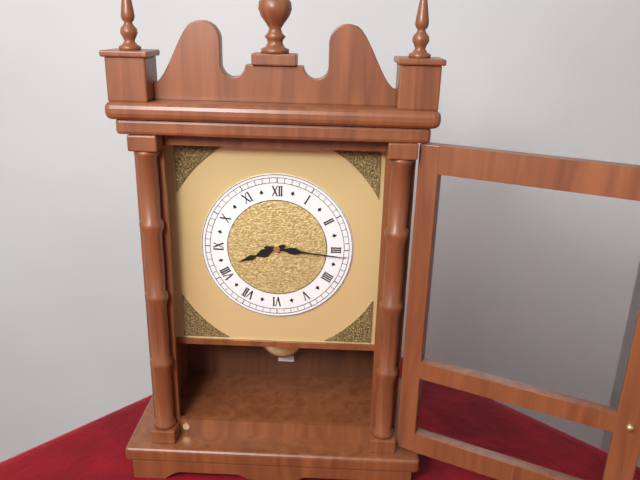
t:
8:16
